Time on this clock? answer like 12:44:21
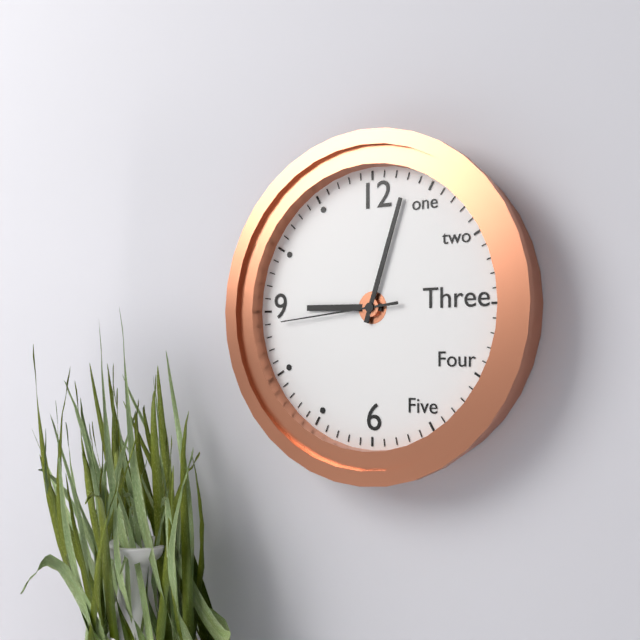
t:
9:03:44
